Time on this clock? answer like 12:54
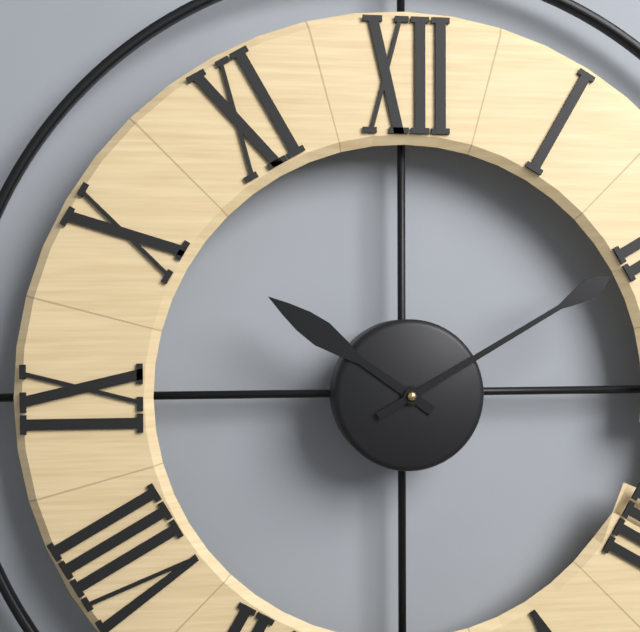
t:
10:10
